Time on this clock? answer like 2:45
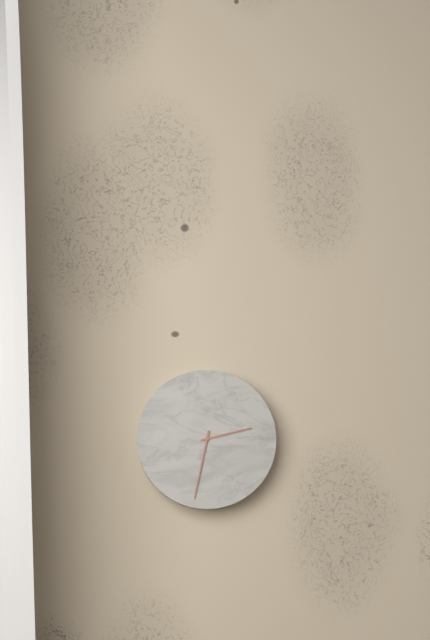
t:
2:32
